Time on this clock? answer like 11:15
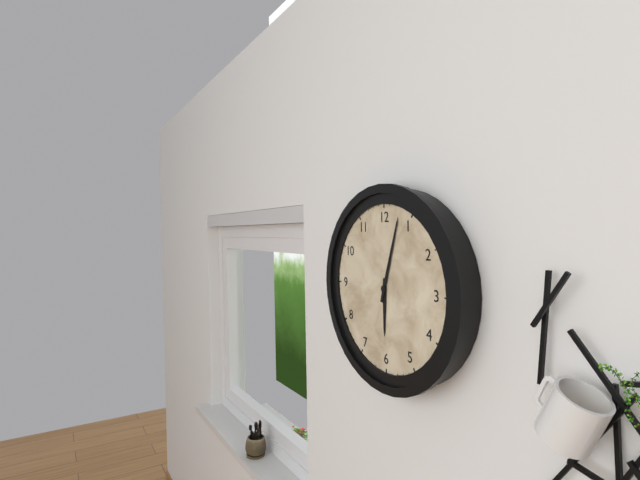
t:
6:03
